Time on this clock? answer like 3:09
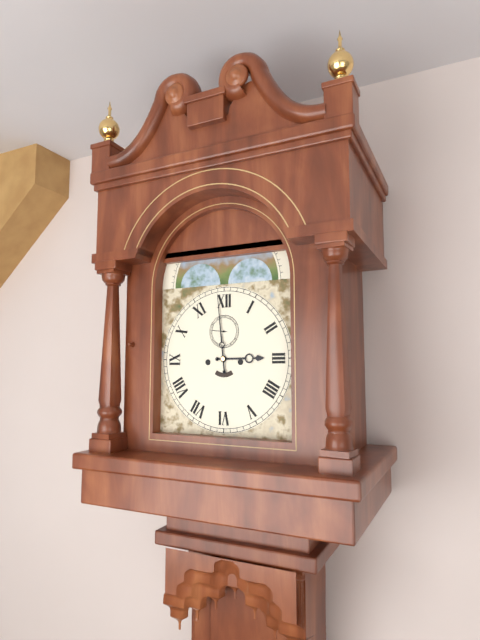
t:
2:59
